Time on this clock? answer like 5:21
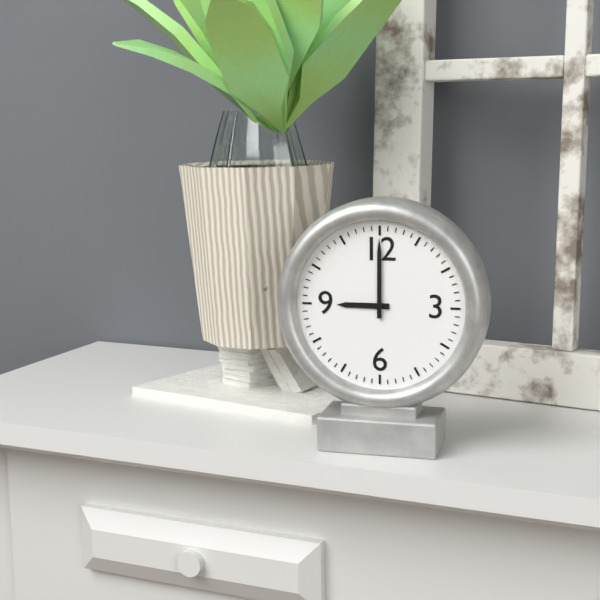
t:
9:00
